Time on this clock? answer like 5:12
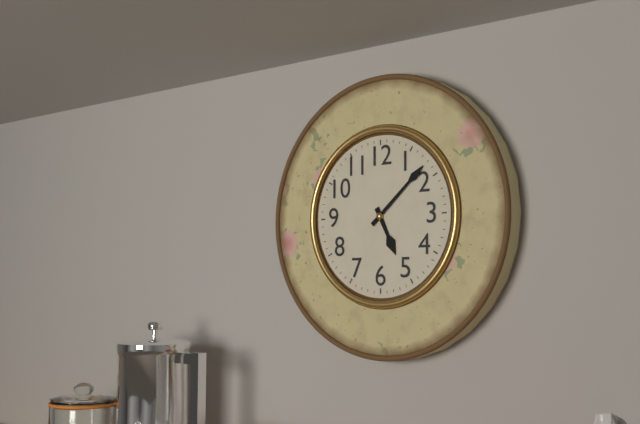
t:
5:08
